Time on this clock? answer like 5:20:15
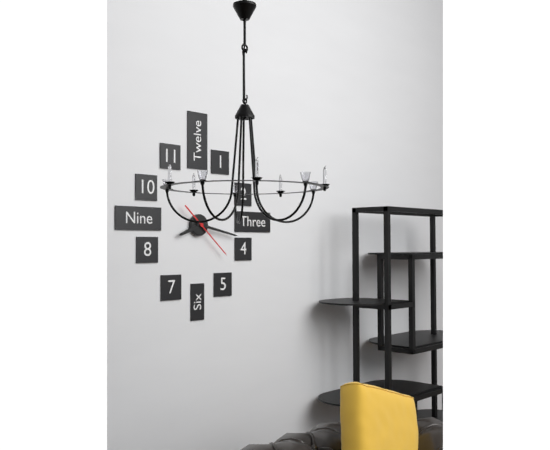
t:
8:17:22
